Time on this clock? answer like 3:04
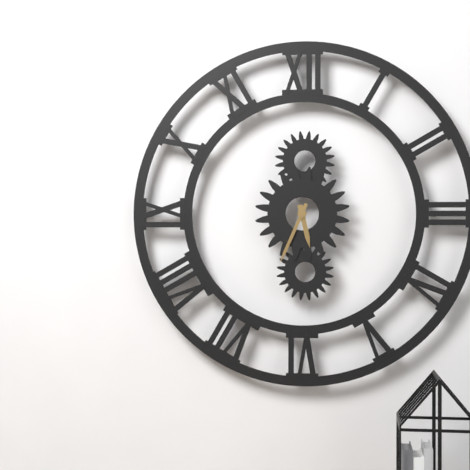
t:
5:34
